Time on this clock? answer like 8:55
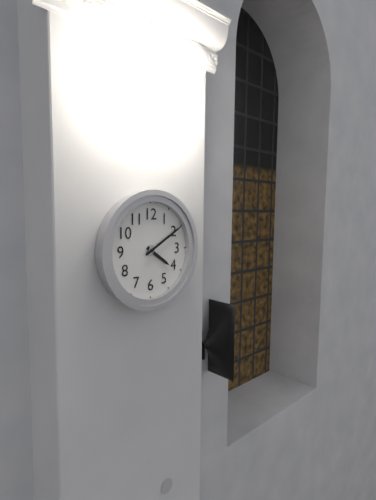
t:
4:10
